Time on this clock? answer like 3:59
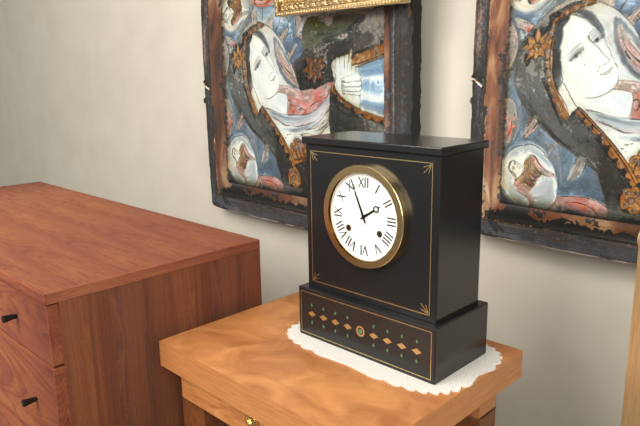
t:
1:56
